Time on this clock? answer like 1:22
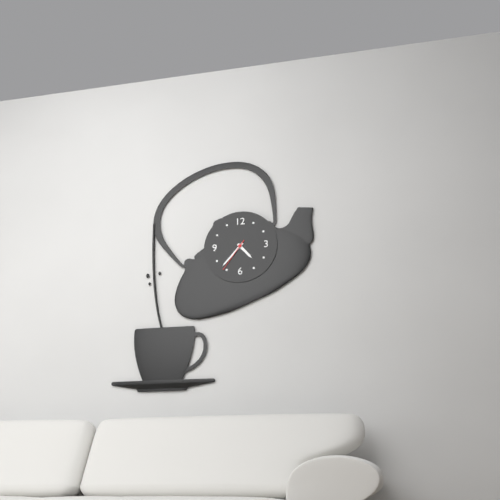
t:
4:37
